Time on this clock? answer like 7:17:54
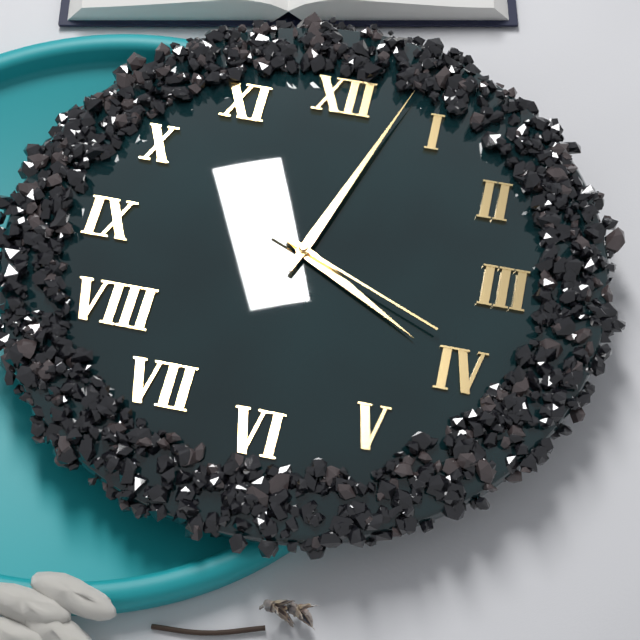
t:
4:03:19
